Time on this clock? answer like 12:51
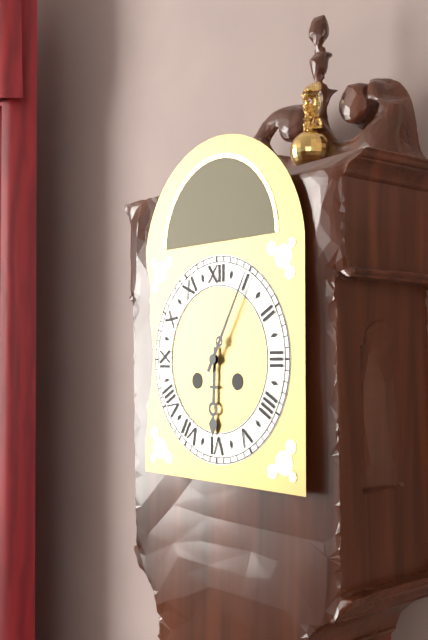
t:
6:05
